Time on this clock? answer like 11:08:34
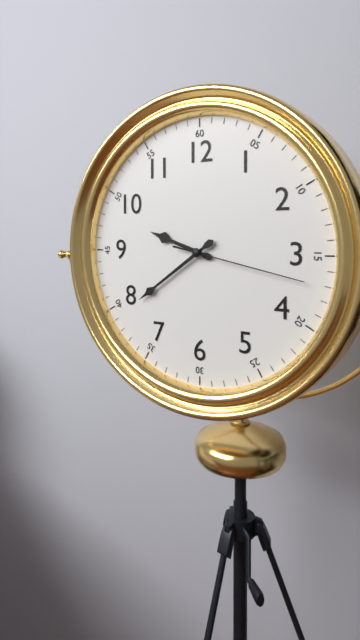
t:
9:39:17
